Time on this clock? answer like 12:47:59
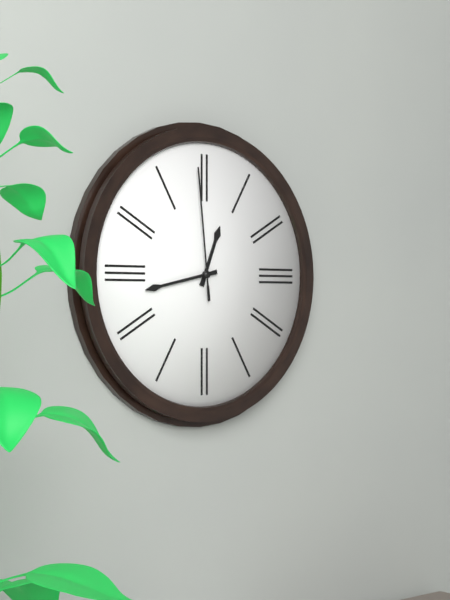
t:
12:43:59
